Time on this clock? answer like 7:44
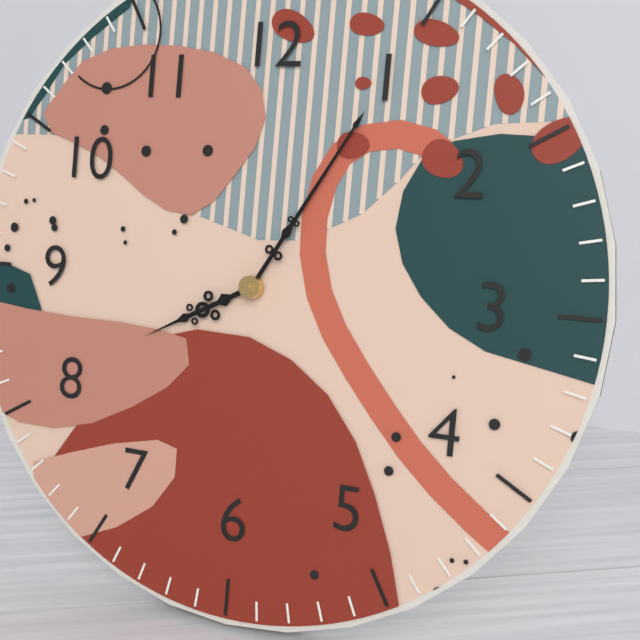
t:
8:05
